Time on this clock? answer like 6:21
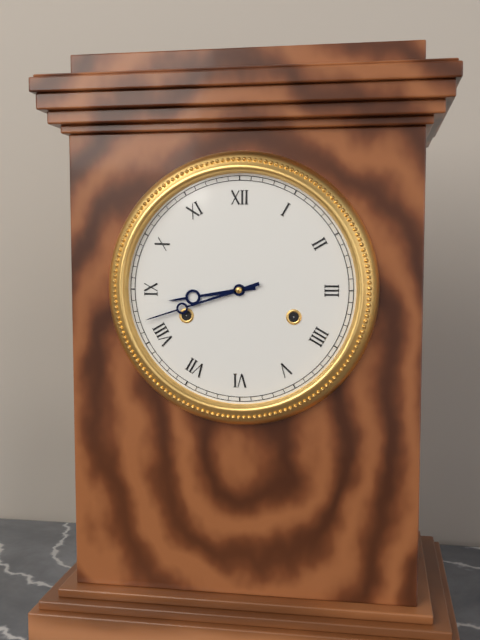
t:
8:42
